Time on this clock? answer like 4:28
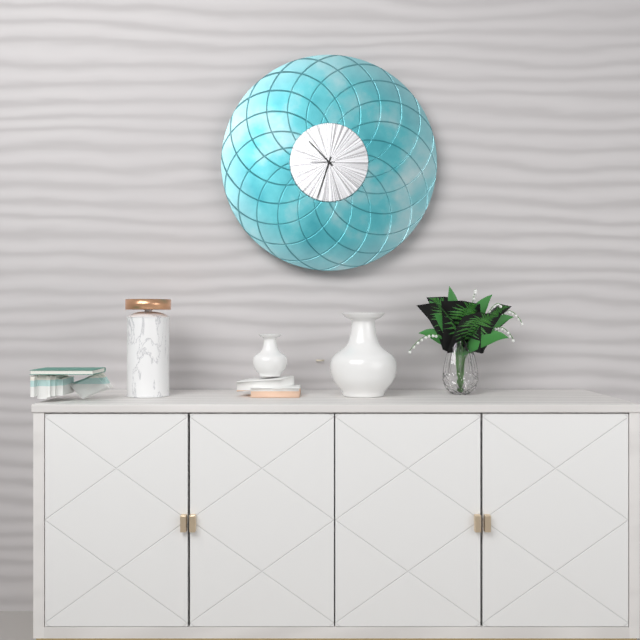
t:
10:33
